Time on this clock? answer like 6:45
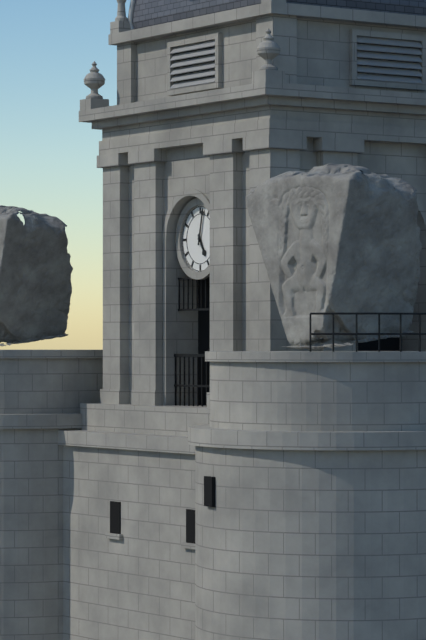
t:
5:02
